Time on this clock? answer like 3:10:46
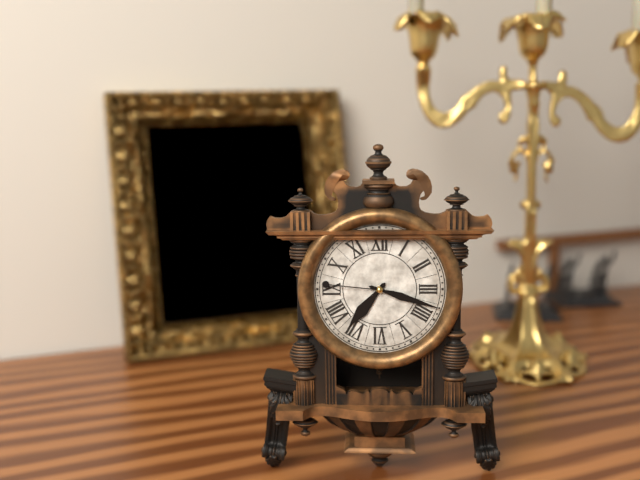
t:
7:18:46
